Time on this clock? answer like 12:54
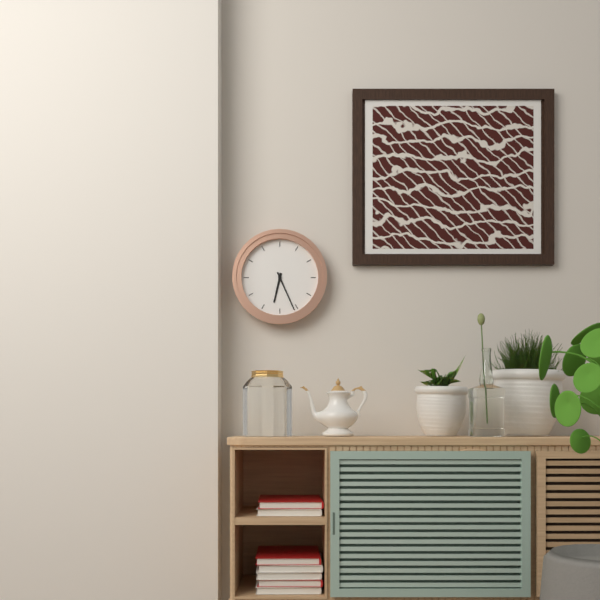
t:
6:26
